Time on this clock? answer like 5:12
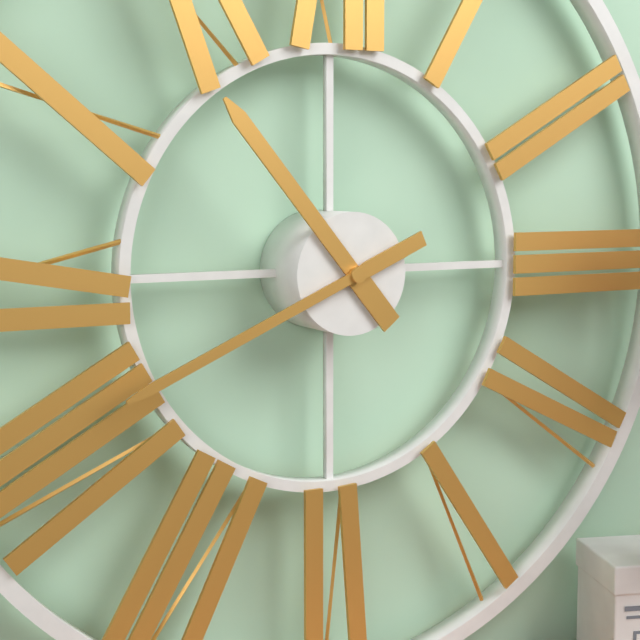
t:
10:41
